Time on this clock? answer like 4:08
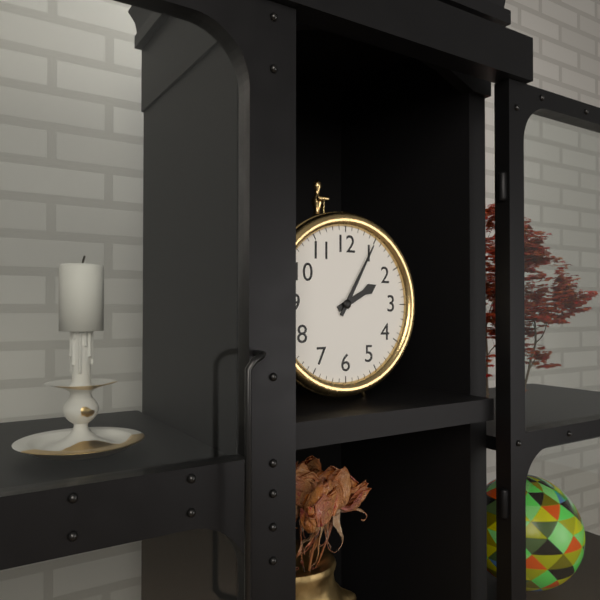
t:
2:05
